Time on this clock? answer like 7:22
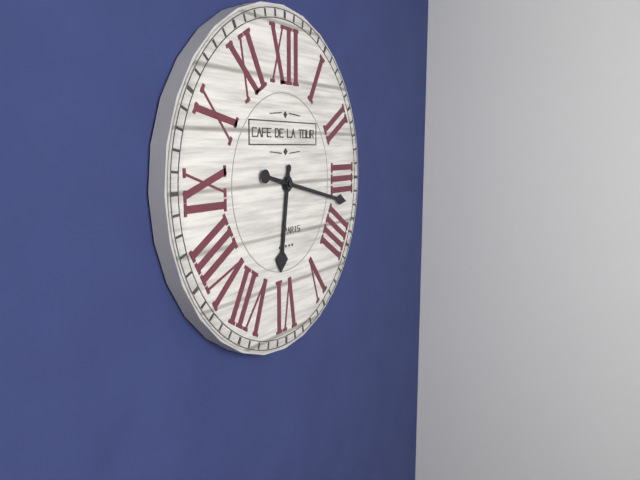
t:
6:17
